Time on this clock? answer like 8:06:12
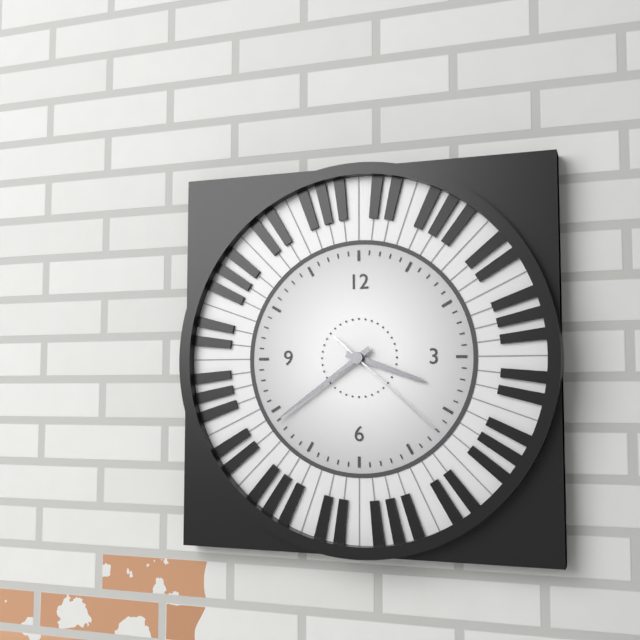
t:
3:39:22
